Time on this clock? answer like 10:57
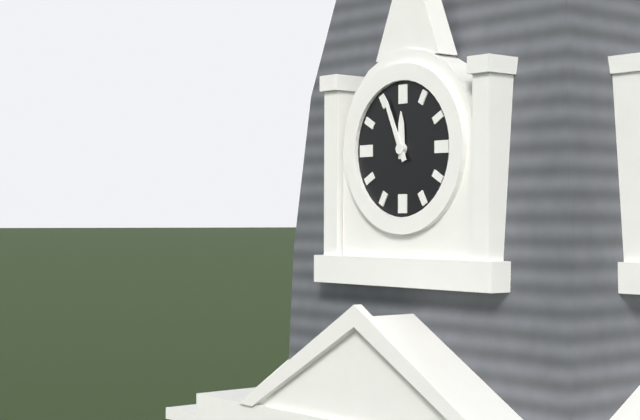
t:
11:56
